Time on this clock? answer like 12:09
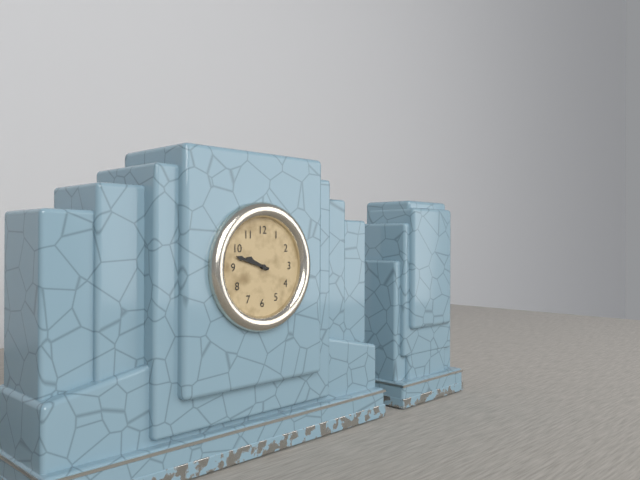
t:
9:48
